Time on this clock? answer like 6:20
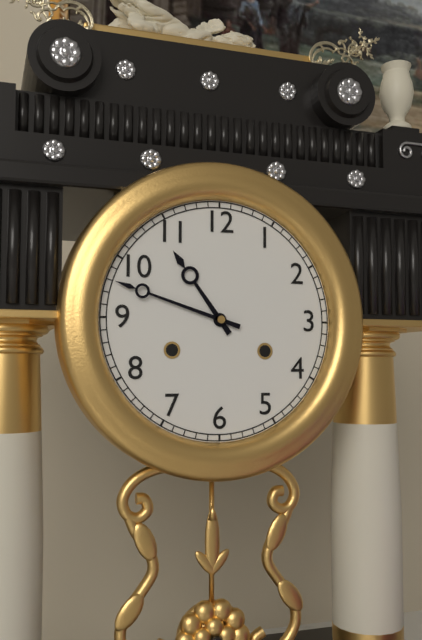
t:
10:48
